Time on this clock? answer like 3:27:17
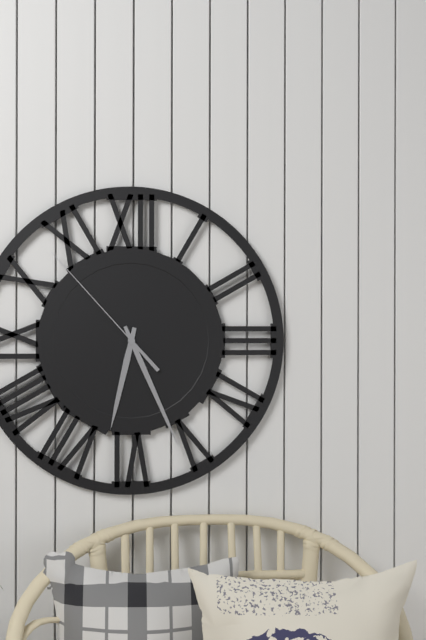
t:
6:26:53
